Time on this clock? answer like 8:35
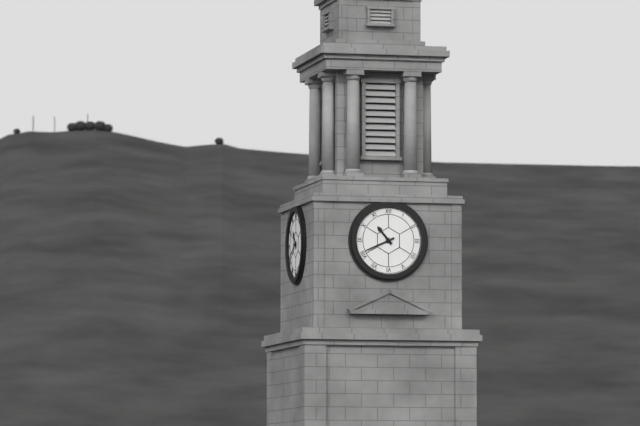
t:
10:41
